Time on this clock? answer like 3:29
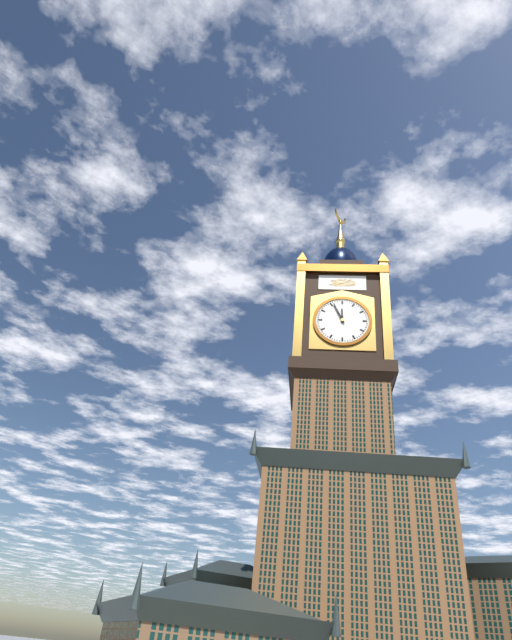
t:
11:56
